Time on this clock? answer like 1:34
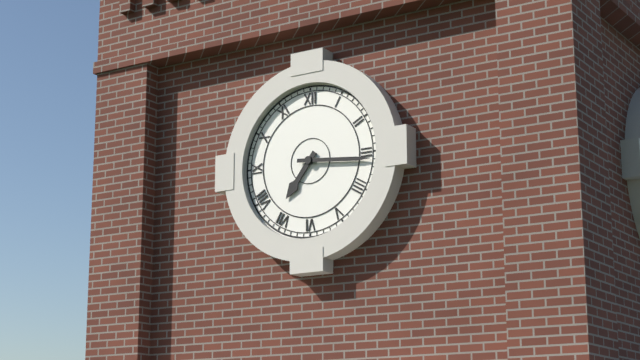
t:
7:16
